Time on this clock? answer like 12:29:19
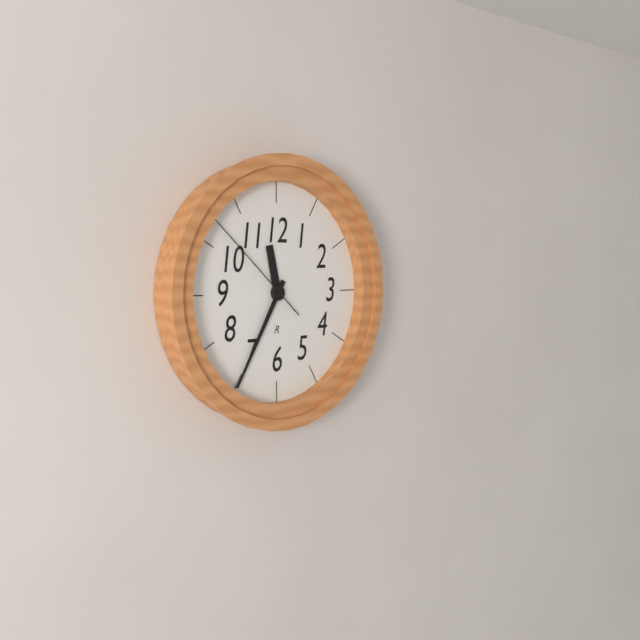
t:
11:35:52
